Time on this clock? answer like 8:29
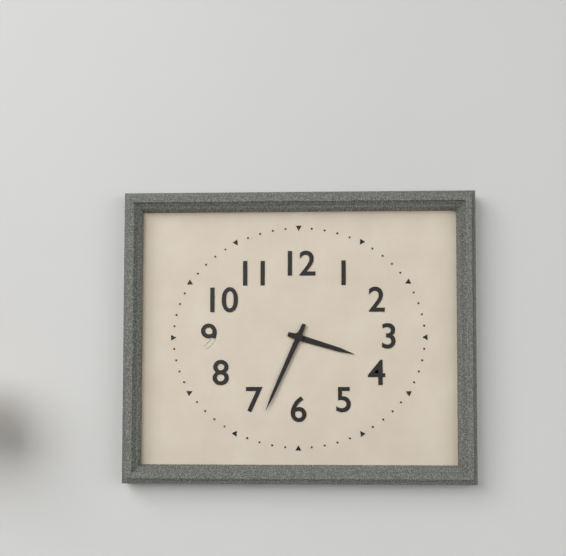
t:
3:34
